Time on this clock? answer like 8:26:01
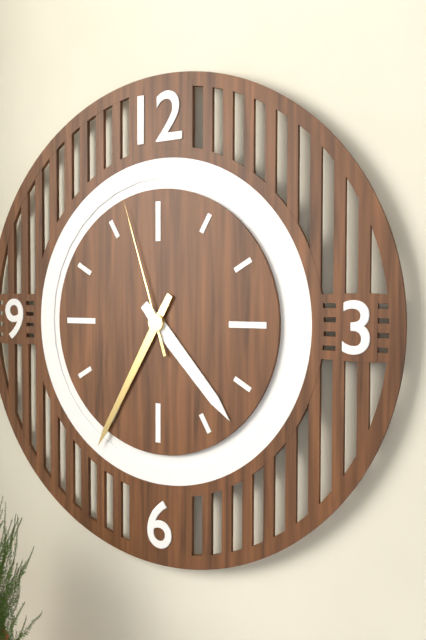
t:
4:35:57
